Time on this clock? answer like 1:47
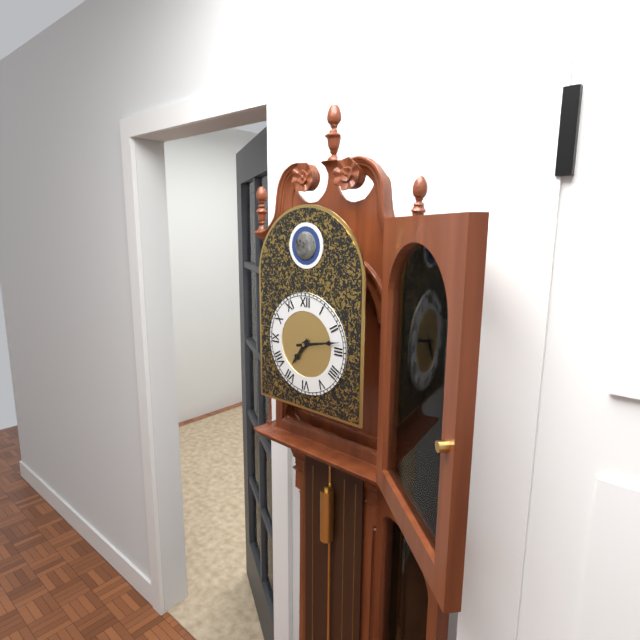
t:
7:13
